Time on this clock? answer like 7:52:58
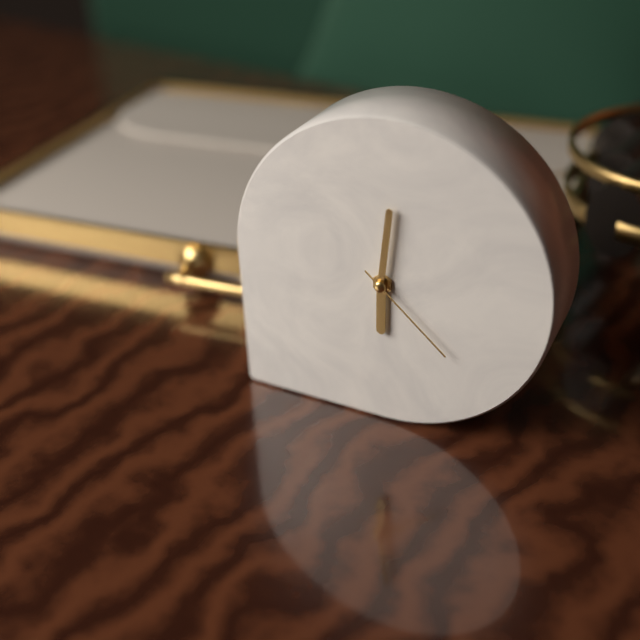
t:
6:01:22
